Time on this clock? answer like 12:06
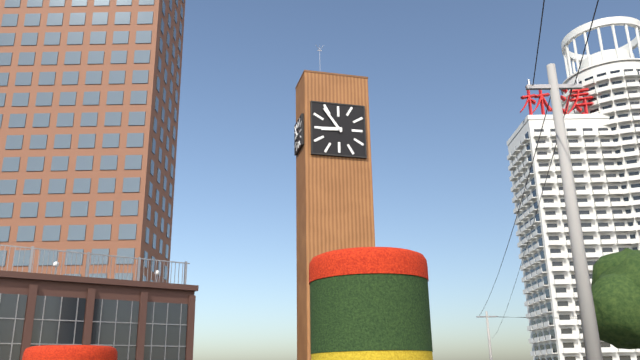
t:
8:54
